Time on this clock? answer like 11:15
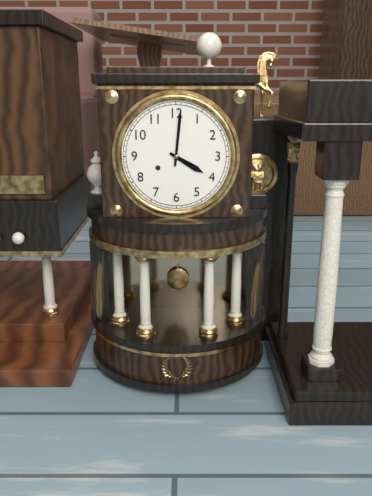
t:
4:01
